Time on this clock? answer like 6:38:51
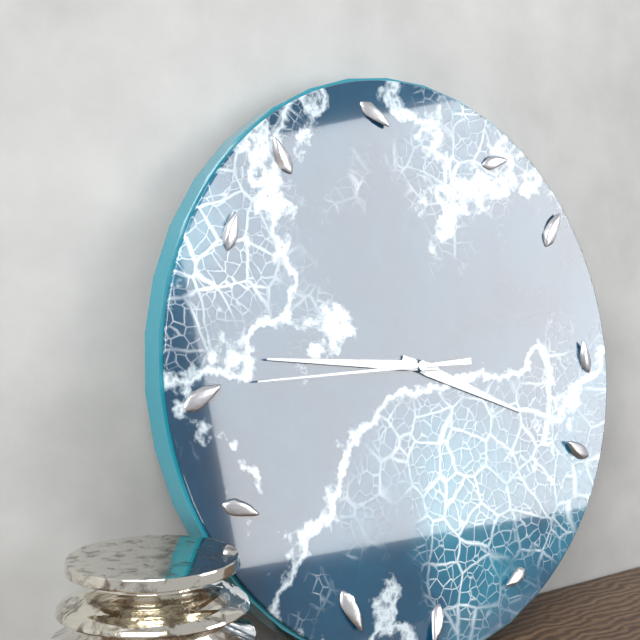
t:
3:46:45
